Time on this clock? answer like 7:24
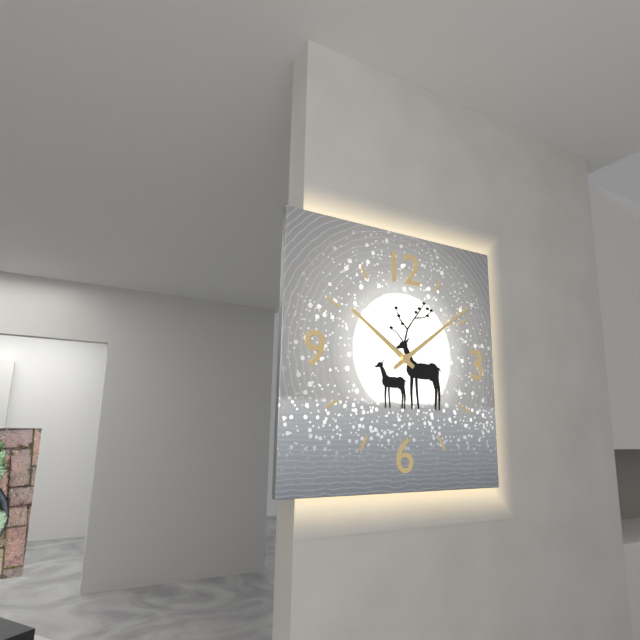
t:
10:09
